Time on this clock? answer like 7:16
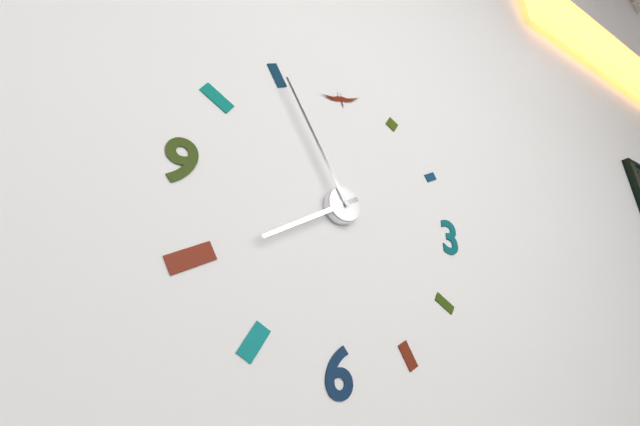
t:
7:55
